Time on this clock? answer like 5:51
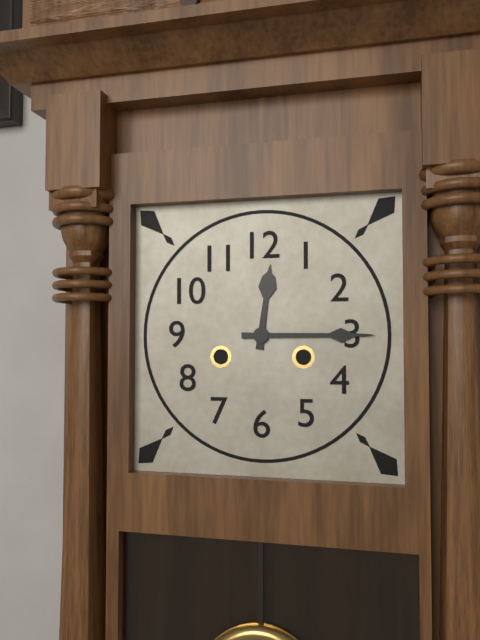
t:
12:15
